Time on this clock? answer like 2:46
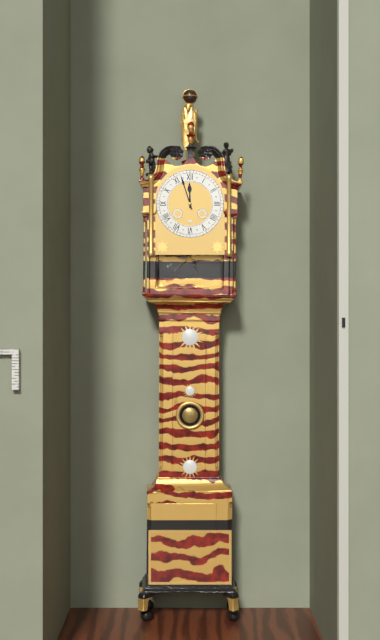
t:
11:57
